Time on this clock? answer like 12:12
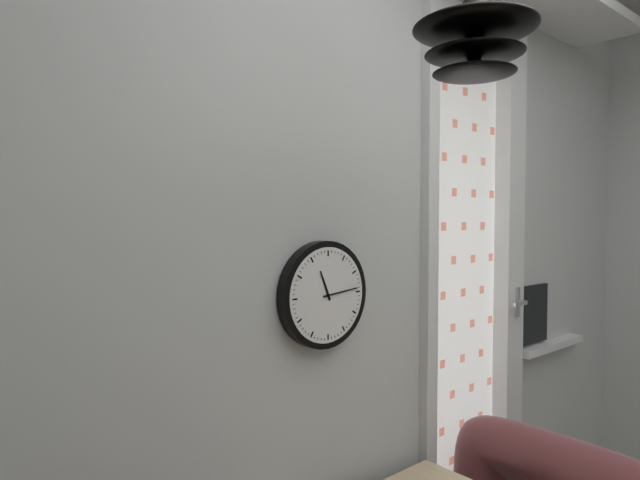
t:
11:14
